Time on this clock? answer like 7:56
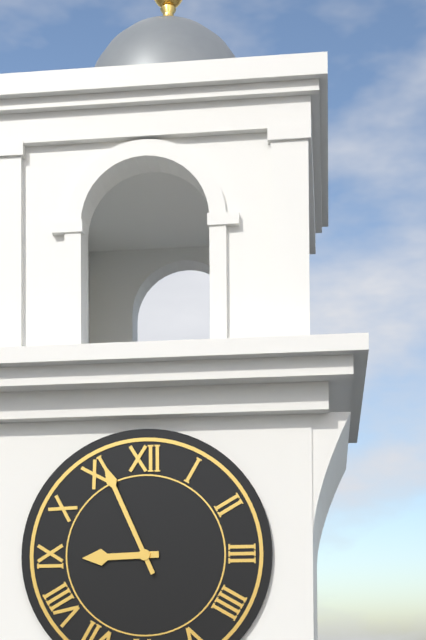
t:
8:56
